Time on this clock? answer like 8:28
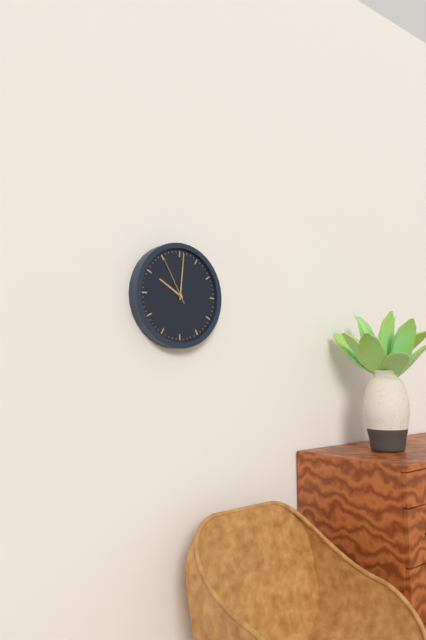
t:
10:01
